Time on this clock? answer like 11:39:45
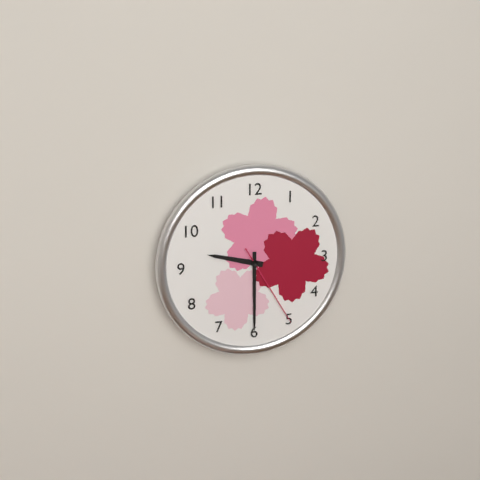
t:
9:30:25
